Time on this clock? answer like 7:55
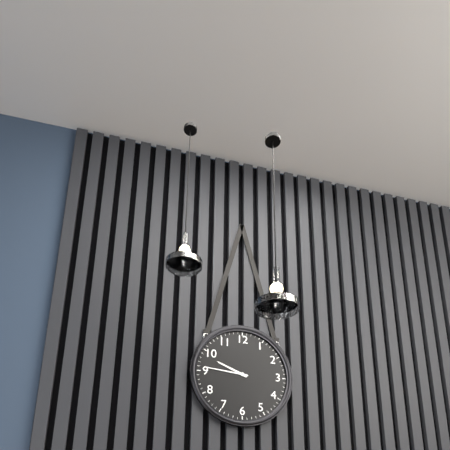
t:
9:46
